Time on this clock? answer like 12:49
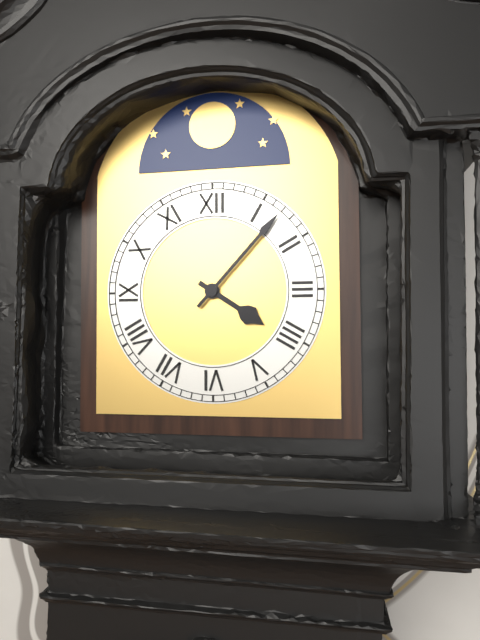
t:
4:07
